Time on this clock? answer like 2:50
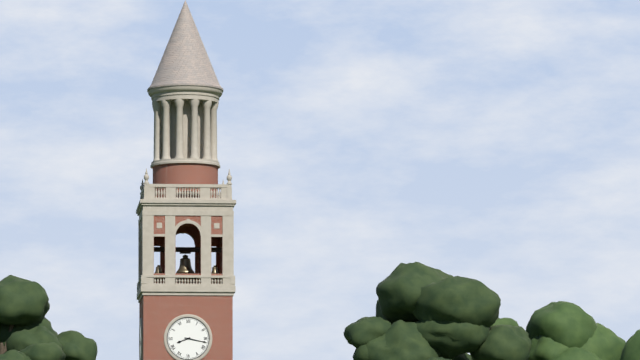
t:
8:17
